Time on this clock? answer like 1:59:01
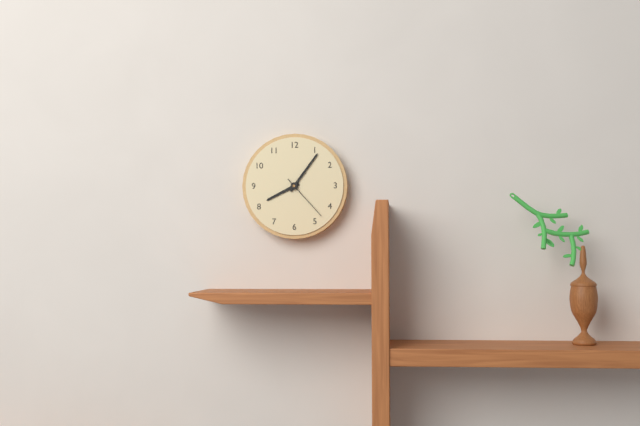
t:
8:06:23
